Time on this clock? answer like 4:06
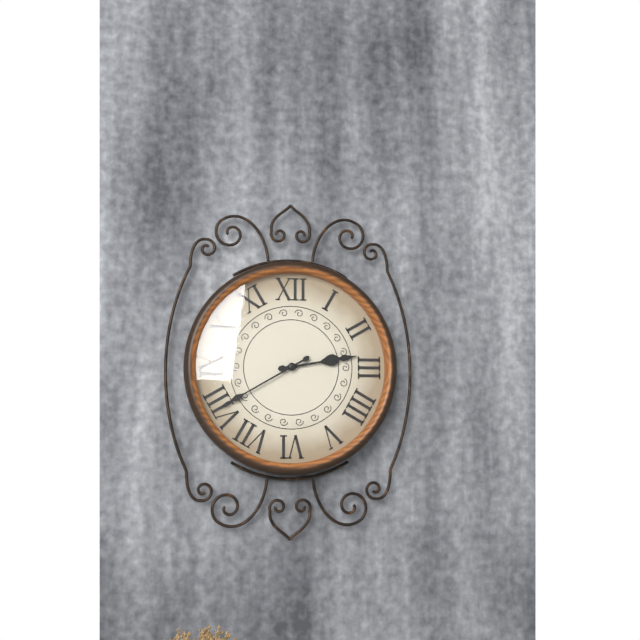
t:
2:40
